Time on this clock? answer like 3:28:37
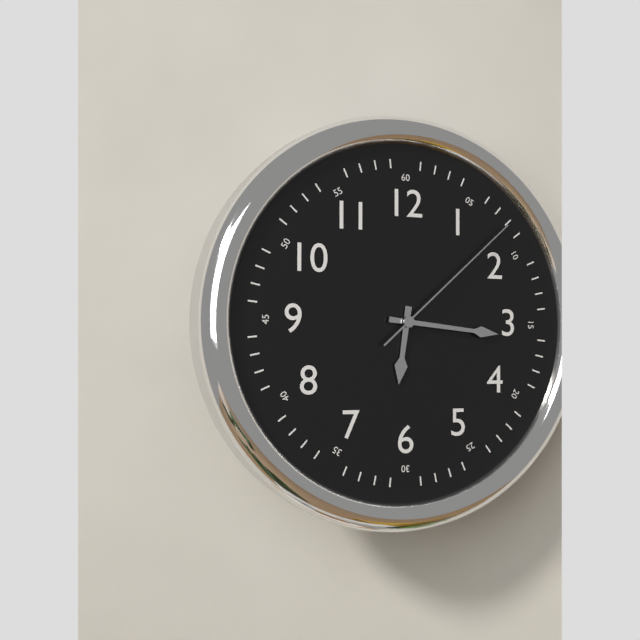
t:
6:16:08
